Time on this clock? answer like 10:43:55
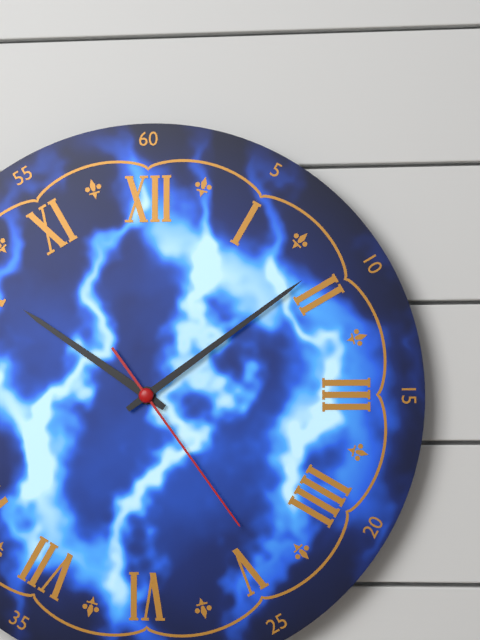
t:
10:09:24
